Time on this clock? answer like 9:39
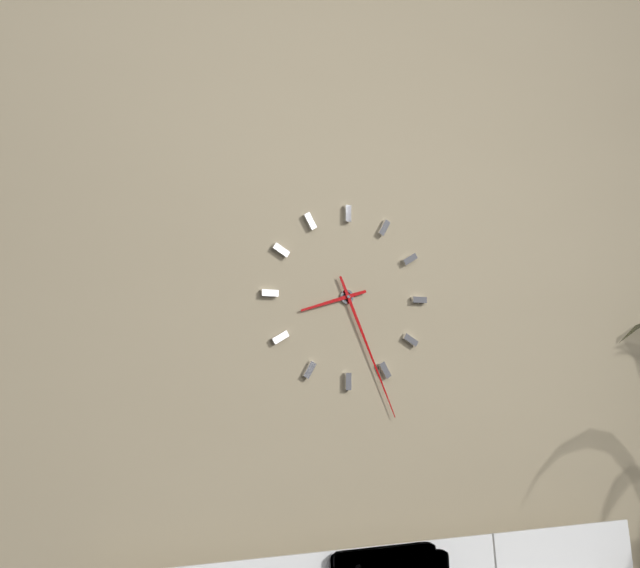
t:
8:26
